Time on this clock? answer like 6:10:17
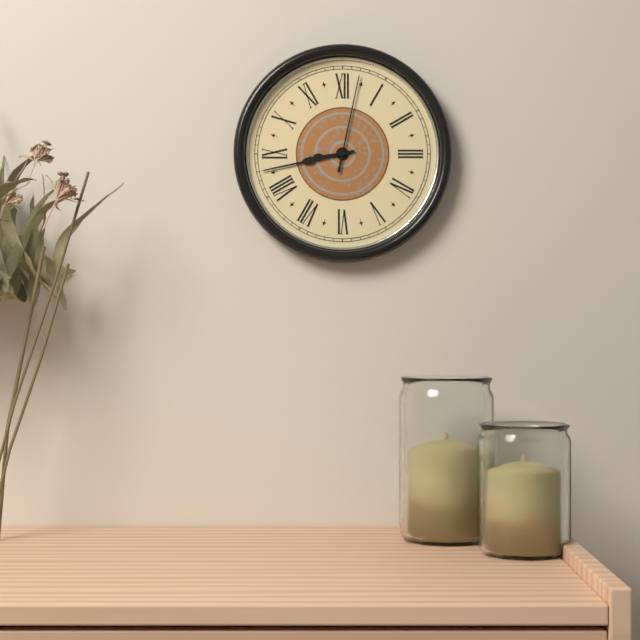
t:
8:43:02
